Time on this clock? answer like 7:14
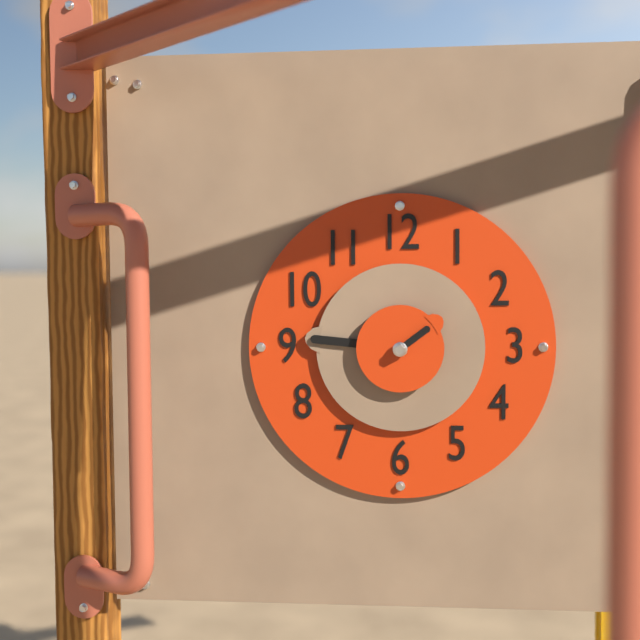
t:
1:46
